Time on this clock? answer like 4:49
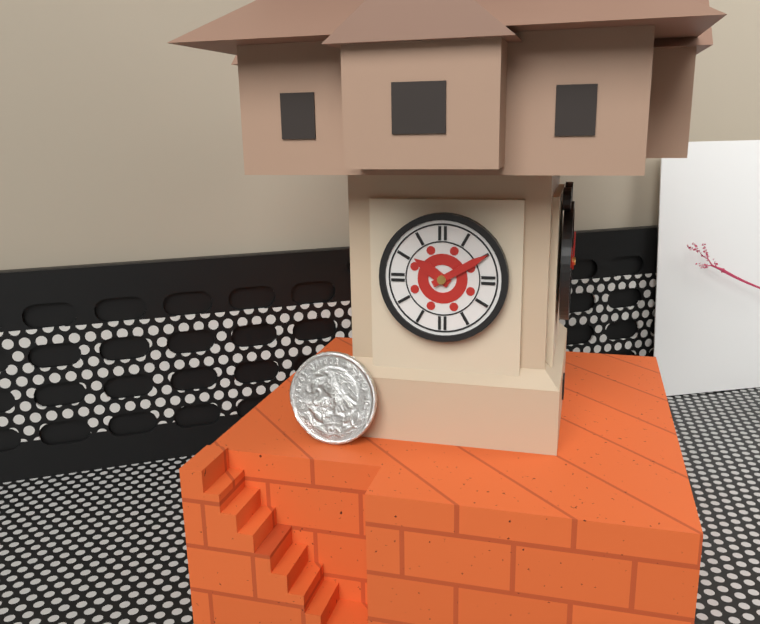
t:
10:10
